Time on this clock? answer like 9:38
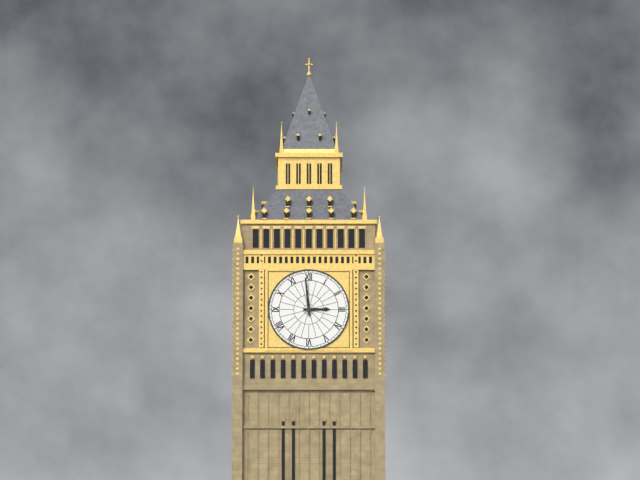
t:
2:59
